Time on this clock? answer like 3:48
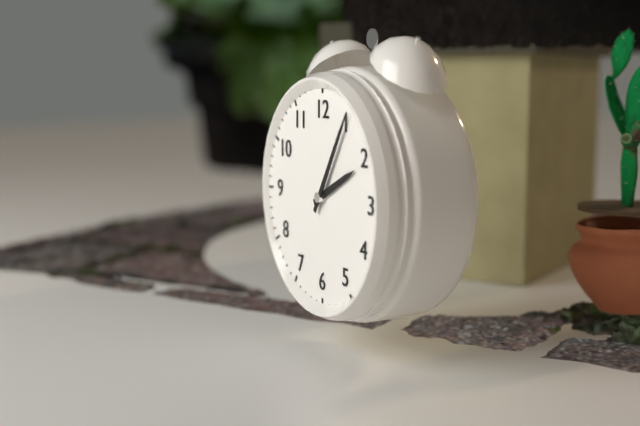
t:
2:05
